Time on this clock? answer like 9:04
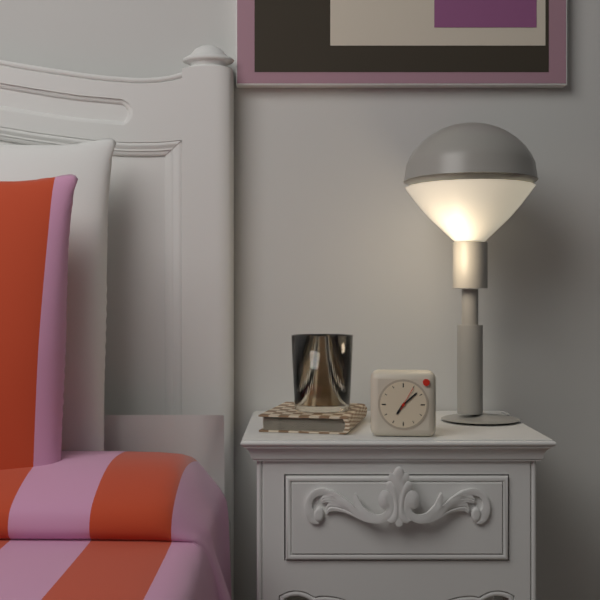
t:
7:08
